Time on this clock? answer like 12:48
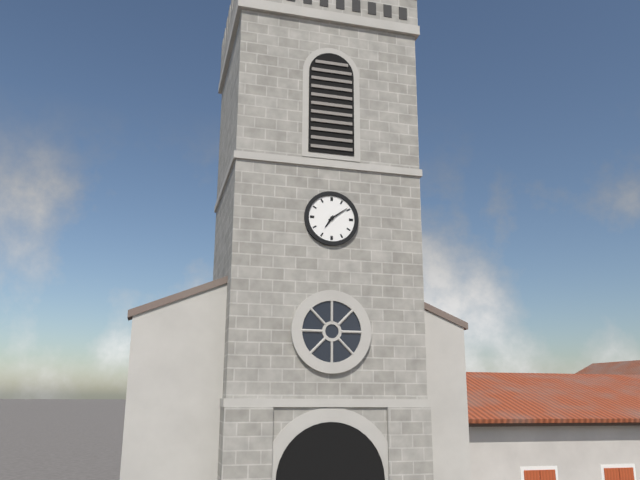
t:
7:09
